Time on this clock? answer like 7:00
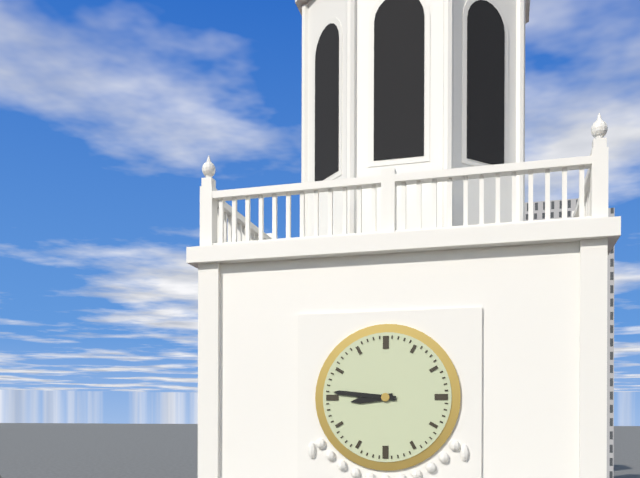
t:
8:46
